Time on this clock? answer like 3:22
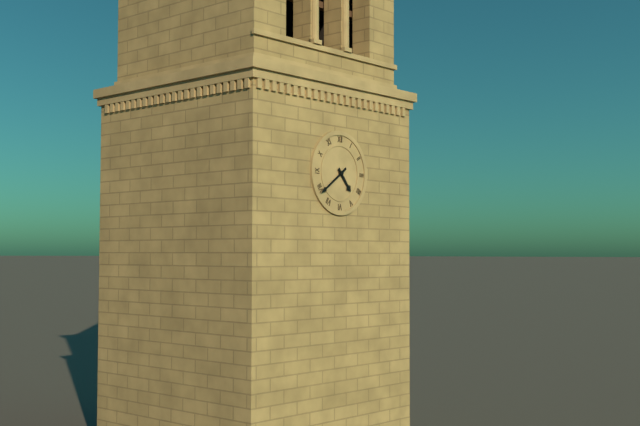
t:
4:39
